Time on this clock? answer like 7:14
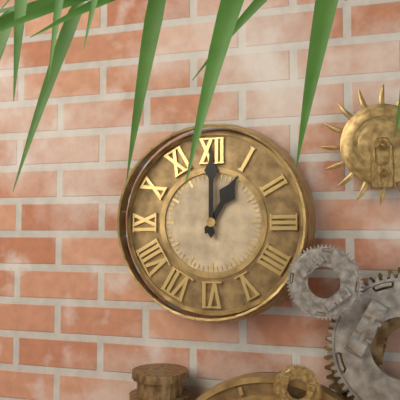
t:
1:00
